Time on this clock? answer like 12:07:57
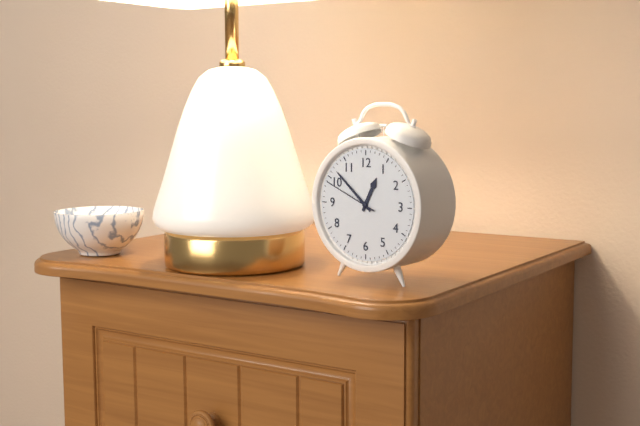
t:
12:52:49
